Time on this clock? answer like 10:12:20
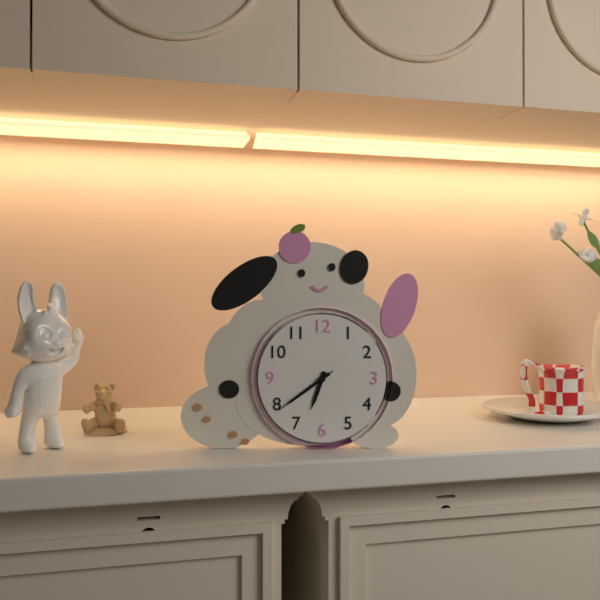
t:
6:39:39
